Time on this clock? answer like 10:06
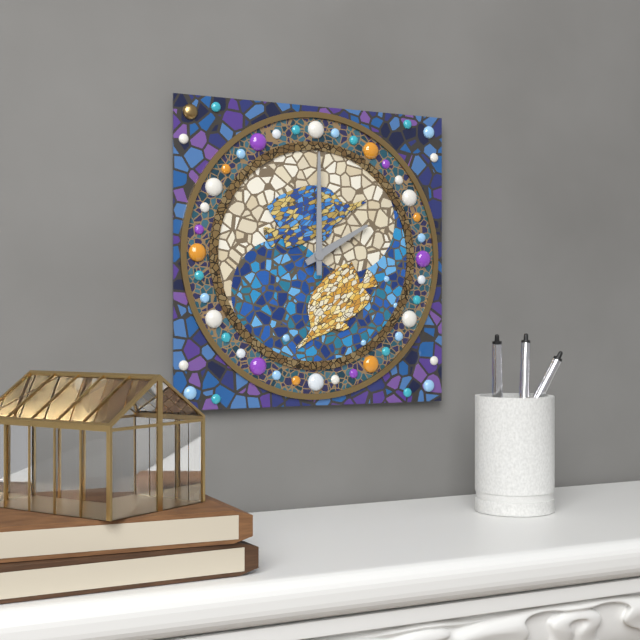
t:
2:00
